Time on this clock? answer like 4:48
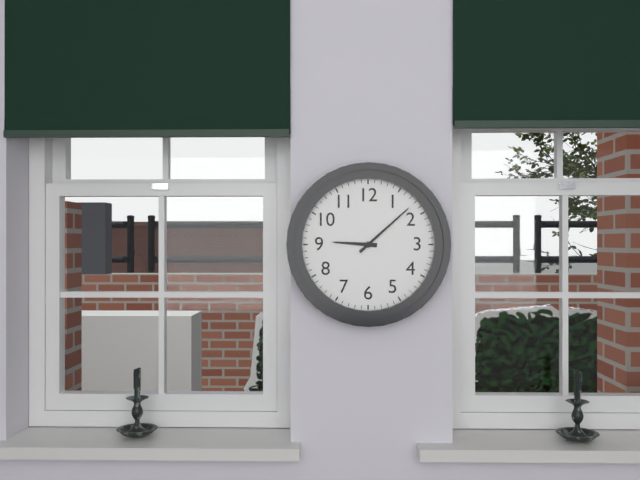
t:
9:08
